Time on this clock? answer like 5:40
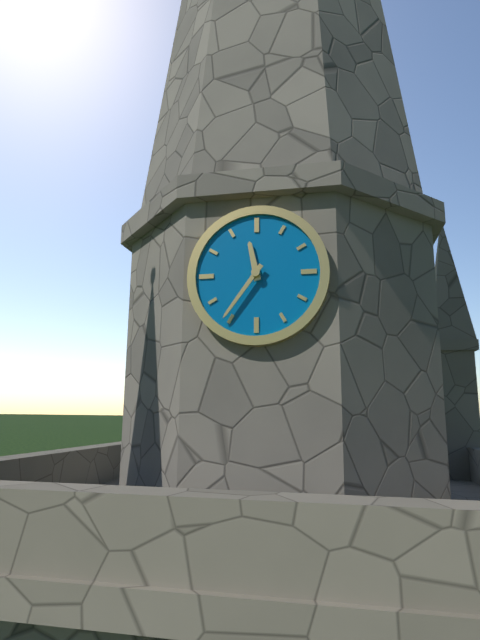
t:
11:36
